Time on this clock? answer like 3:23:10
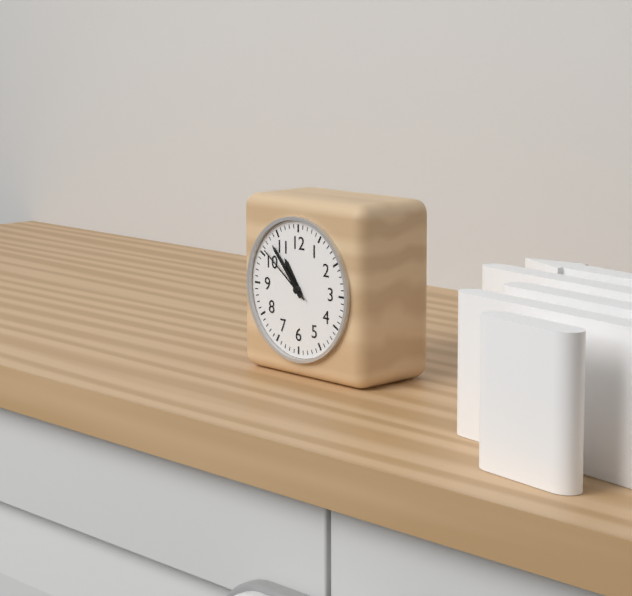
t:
10:53:51
